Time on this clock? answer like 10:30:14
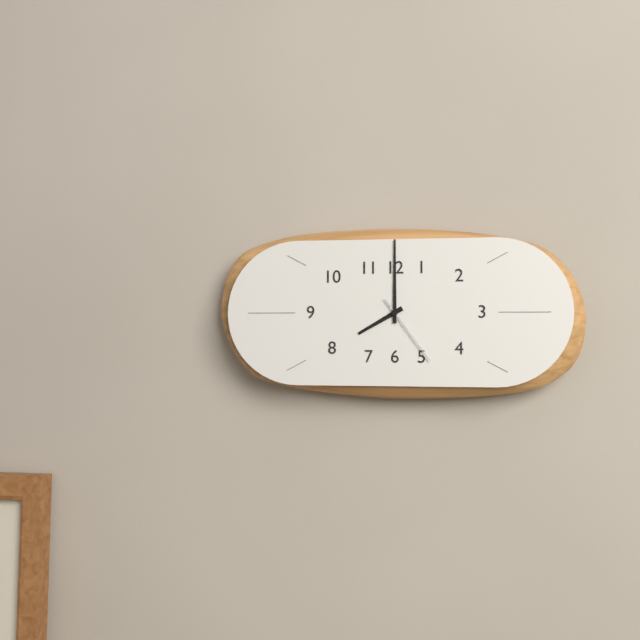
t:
8:00:24
